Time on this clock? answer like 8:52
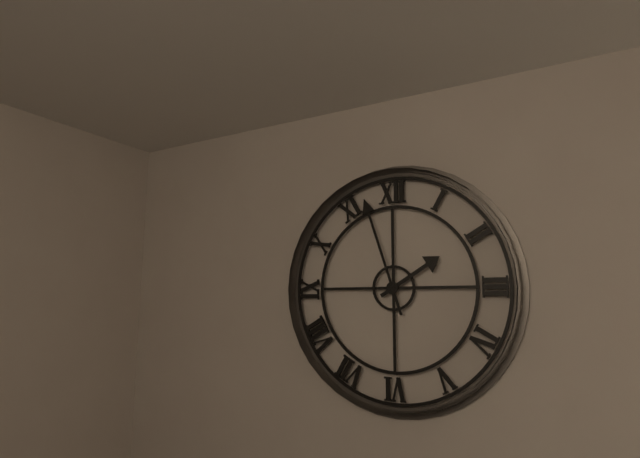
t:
1:57
